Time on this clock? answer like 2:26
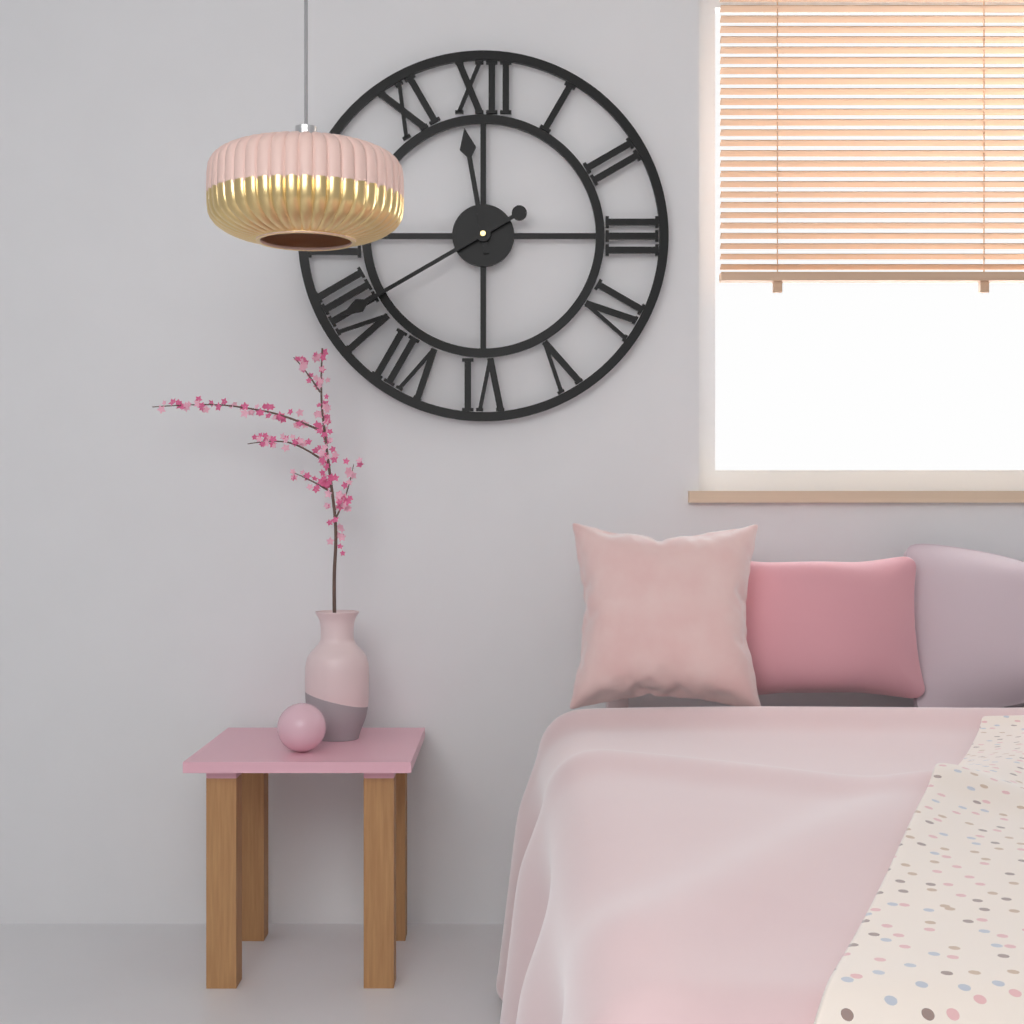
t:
11:40
